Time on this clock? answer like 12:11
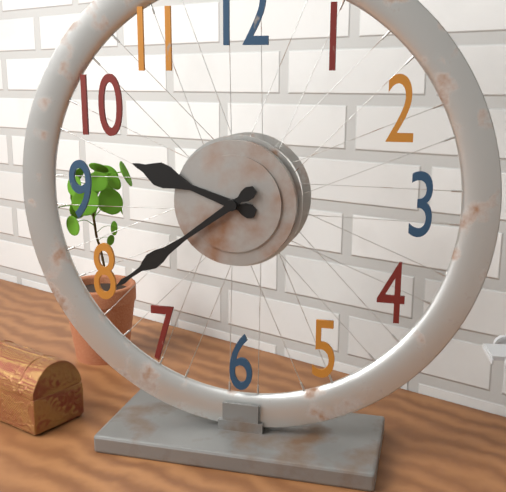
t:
9:39
